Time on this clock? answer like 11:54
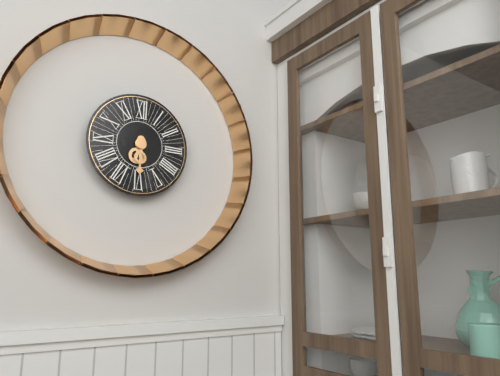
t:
6:30
